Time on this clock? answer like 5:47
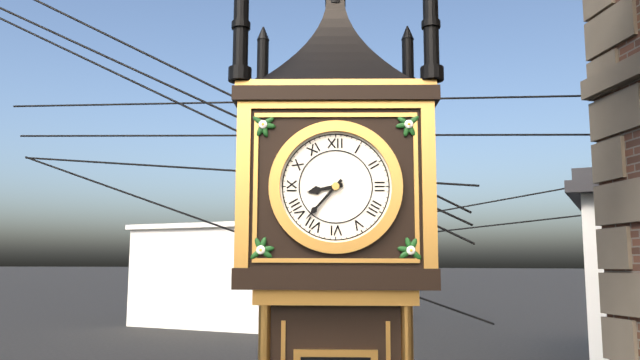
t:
8:37
